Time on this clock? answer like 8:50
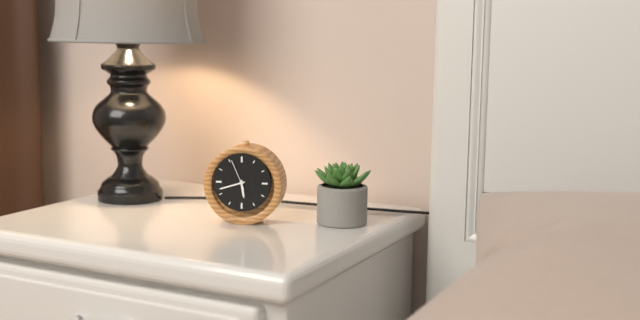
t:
5:42
